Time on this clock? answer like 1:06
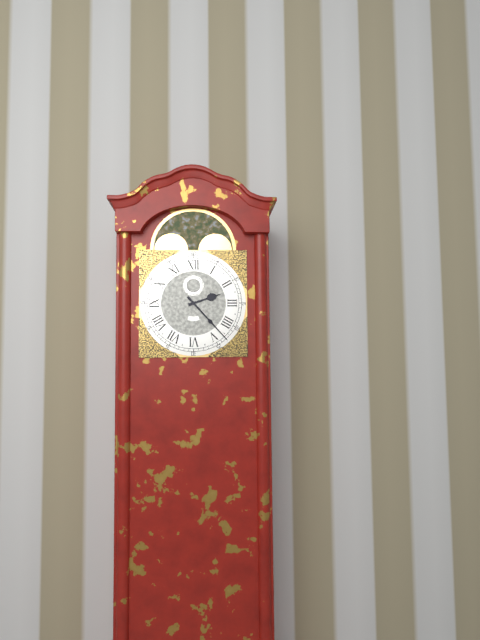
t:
2:23
